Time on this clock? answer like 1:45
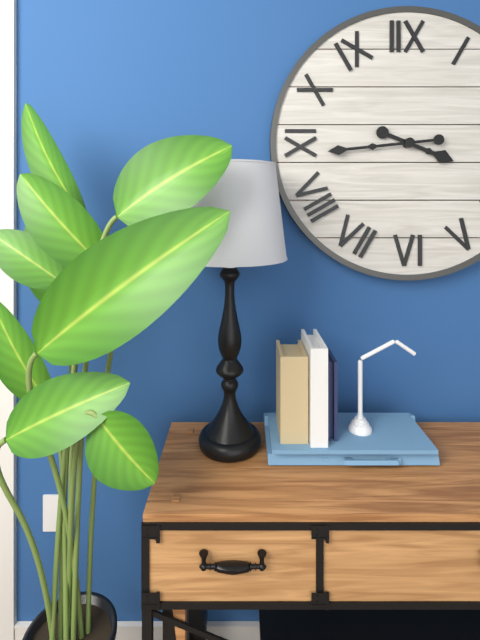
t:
3:44
